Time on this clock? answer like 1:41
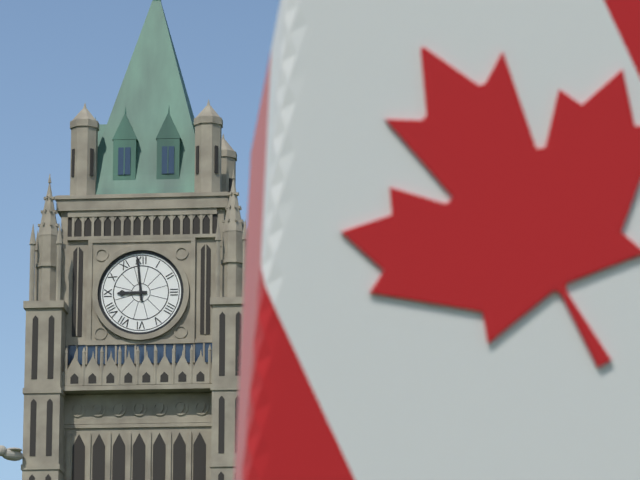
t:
8:59
